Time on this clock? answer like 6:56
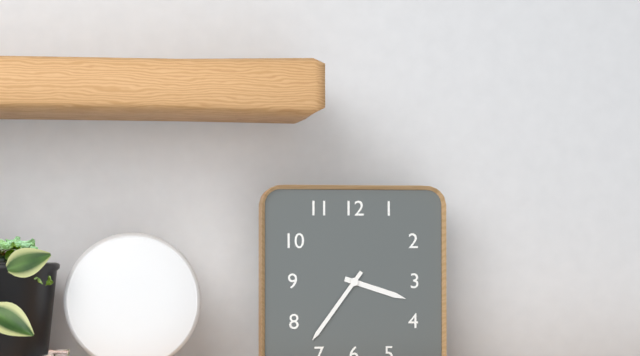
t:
3:36
